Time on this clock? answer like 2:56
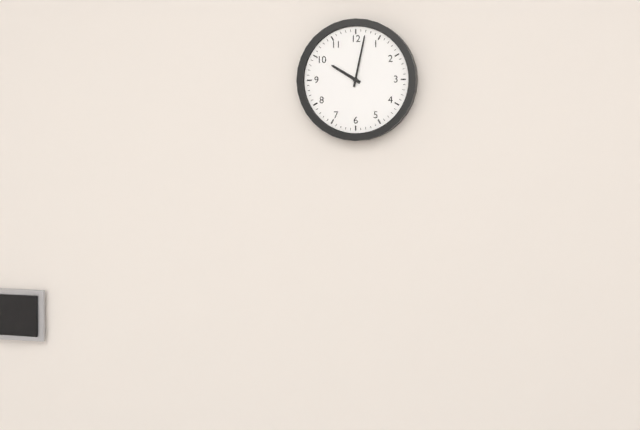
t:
10:02
